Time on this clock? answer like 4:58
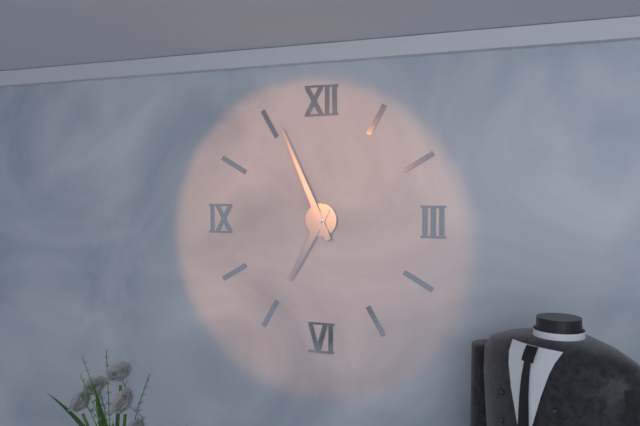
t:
6:56
